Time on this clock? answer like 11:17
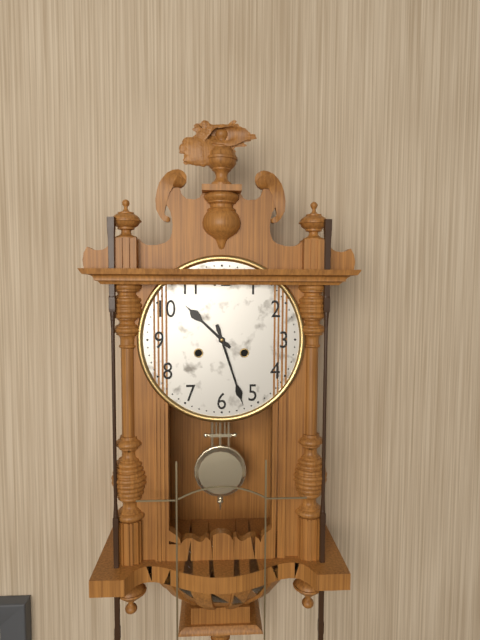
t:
10:27
